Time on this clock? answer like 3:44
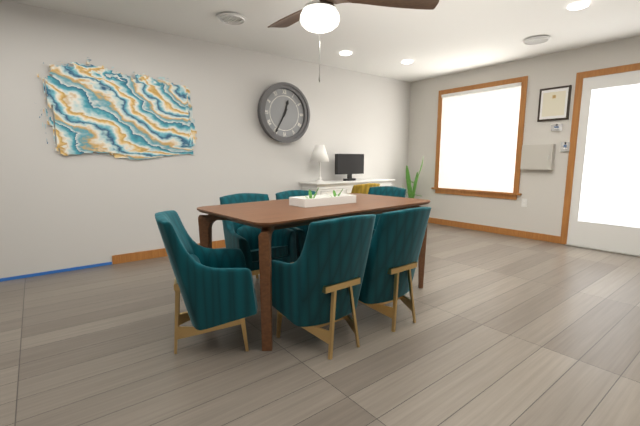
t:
12:35
